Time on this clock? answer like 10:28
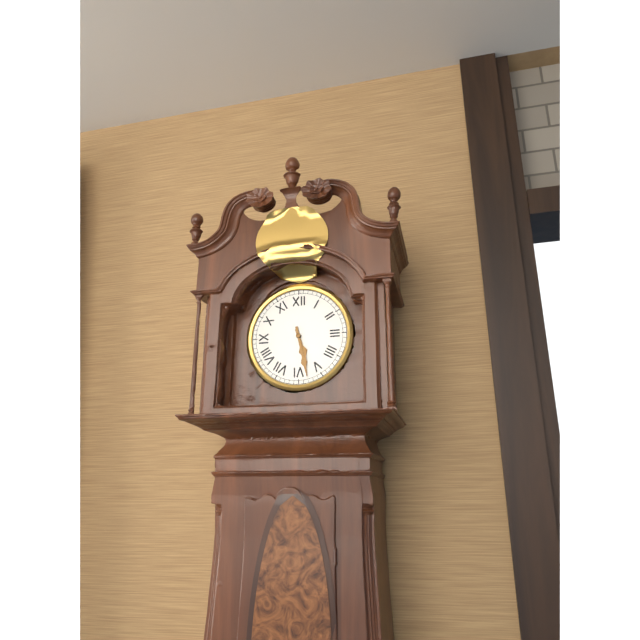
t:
5:28
